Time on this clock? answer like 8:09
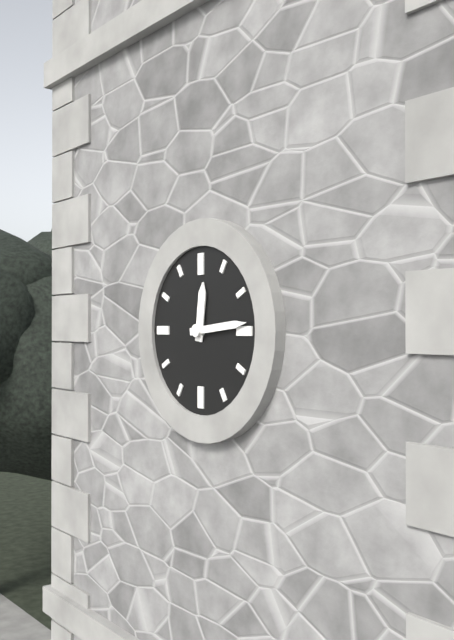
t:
12:14
